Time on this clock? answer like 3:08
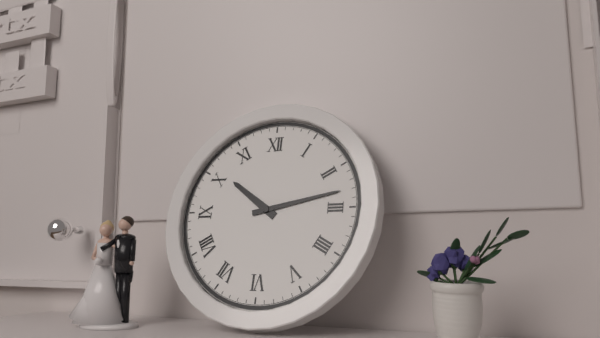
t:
10:13
